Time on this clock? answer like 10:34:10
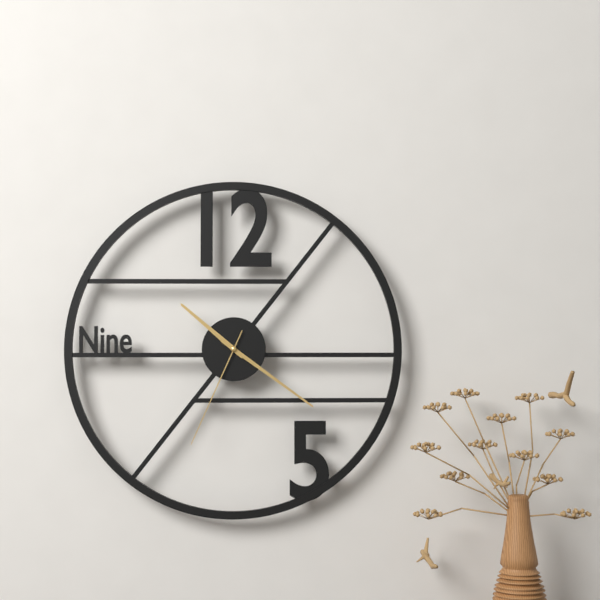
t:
10:21:34
